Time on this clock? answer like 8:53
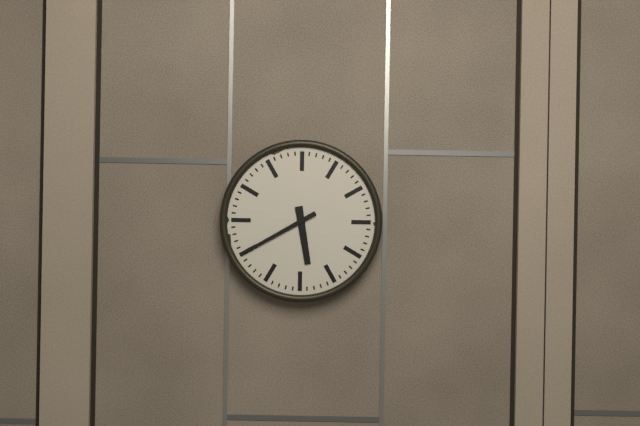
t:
5:40
